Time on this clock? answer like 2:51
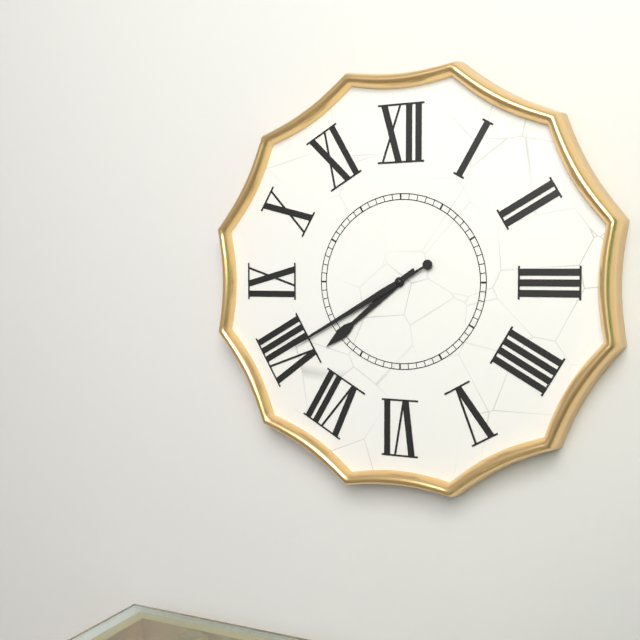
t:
7:40
